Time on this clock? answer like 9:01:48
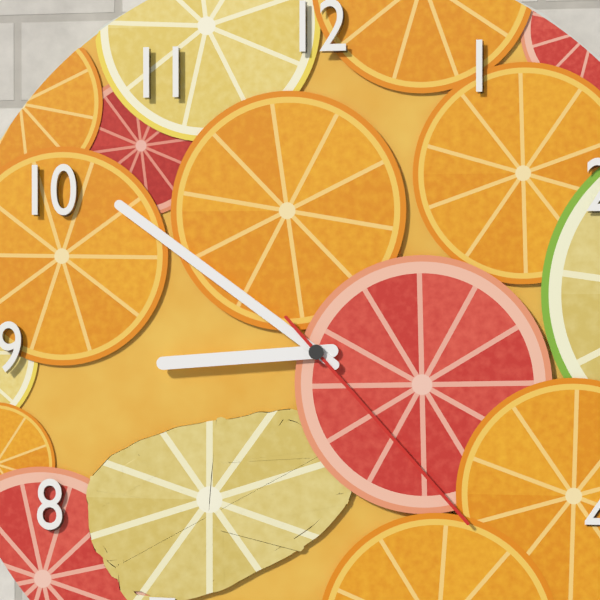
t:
8:51:23
